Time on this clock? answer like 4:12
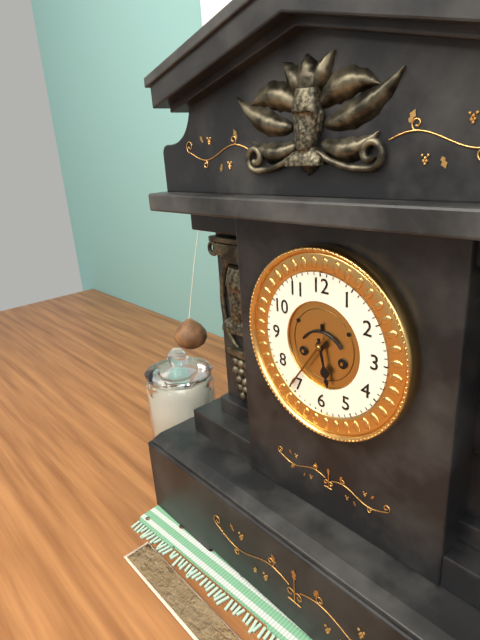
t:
5:36
